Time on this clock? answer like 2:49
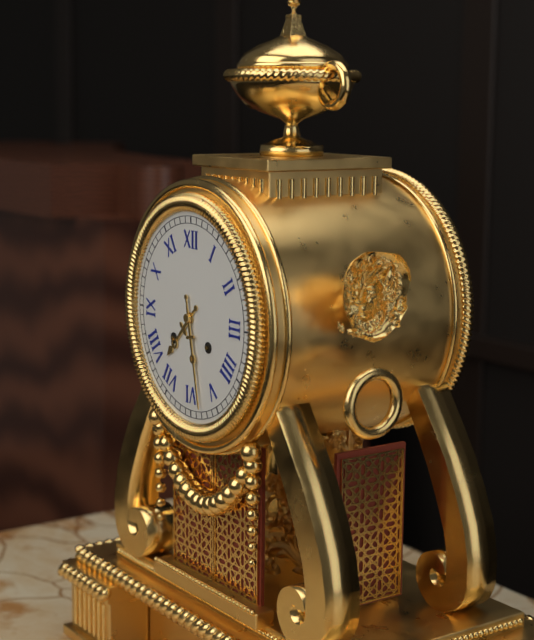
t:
7:28
